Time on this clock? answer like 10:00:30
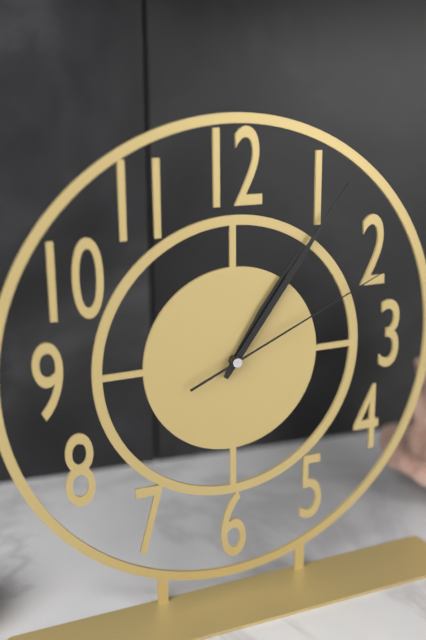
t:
1:06:11
